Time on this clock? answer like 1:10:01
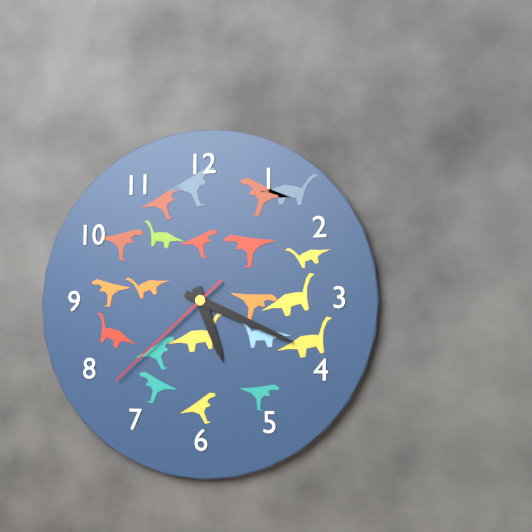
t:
5:19:38
